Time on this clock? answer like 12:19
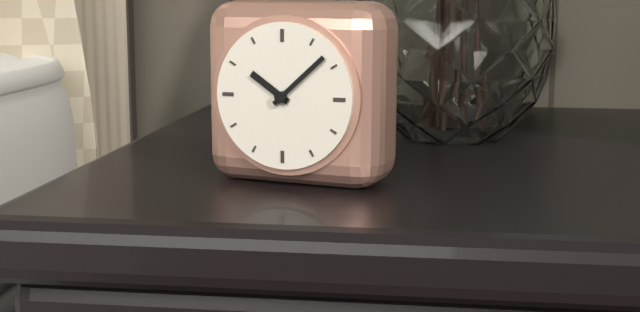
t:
10:08
